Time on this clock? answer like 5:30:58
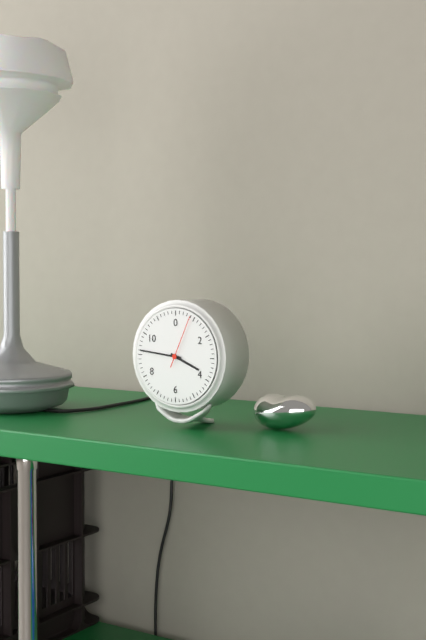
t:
3:46:04
